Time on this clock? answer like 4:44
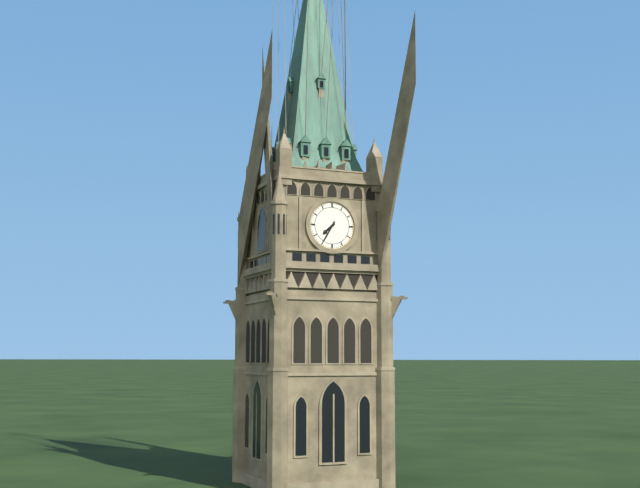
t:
7:35
